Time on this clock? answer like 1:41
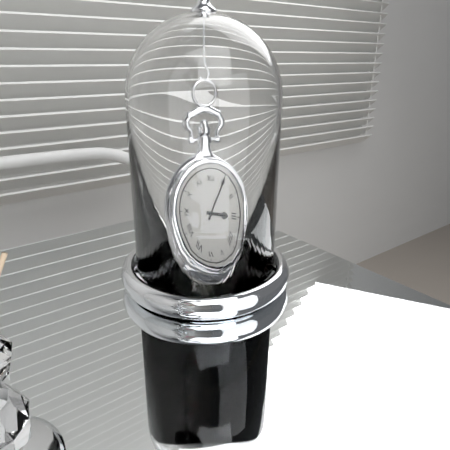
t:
3:05
